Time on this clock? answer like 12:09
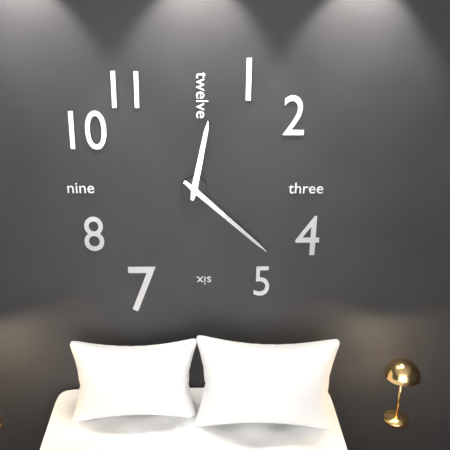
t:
12:22
